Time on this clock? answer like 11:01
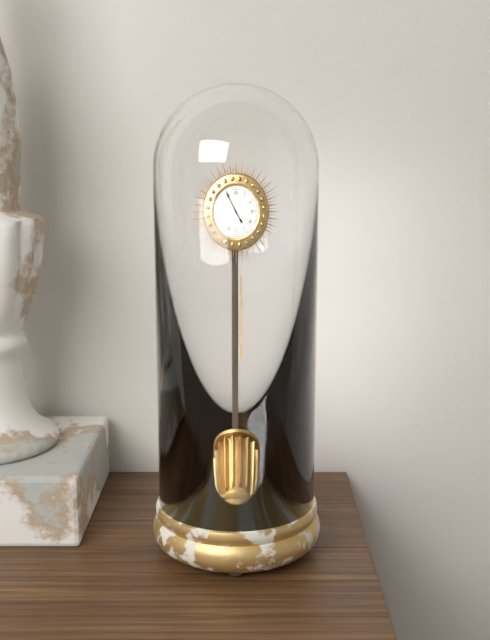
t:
4:55
